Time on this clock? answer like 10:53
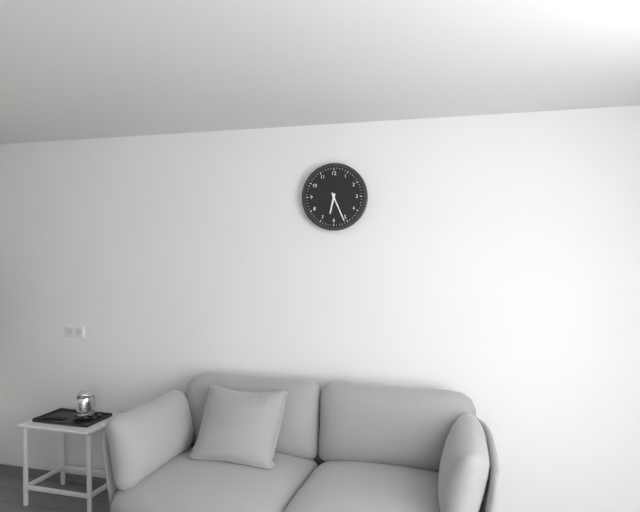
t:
6:26
